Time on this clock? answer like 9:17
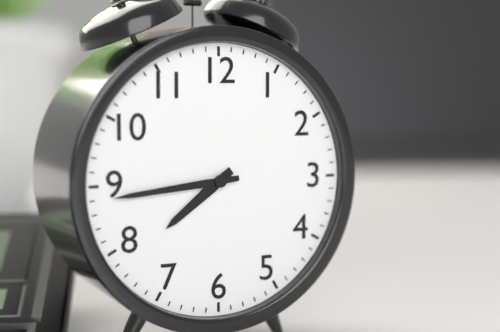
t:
7:44
